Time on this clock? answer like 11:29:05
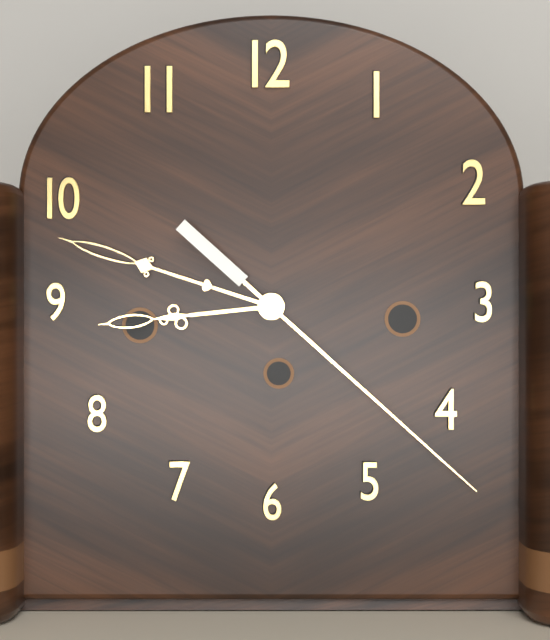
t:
8:48:22
